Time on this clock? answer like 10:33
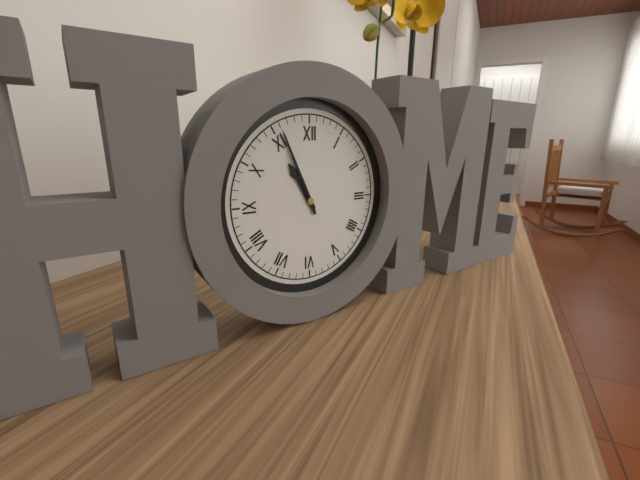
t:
10:56
